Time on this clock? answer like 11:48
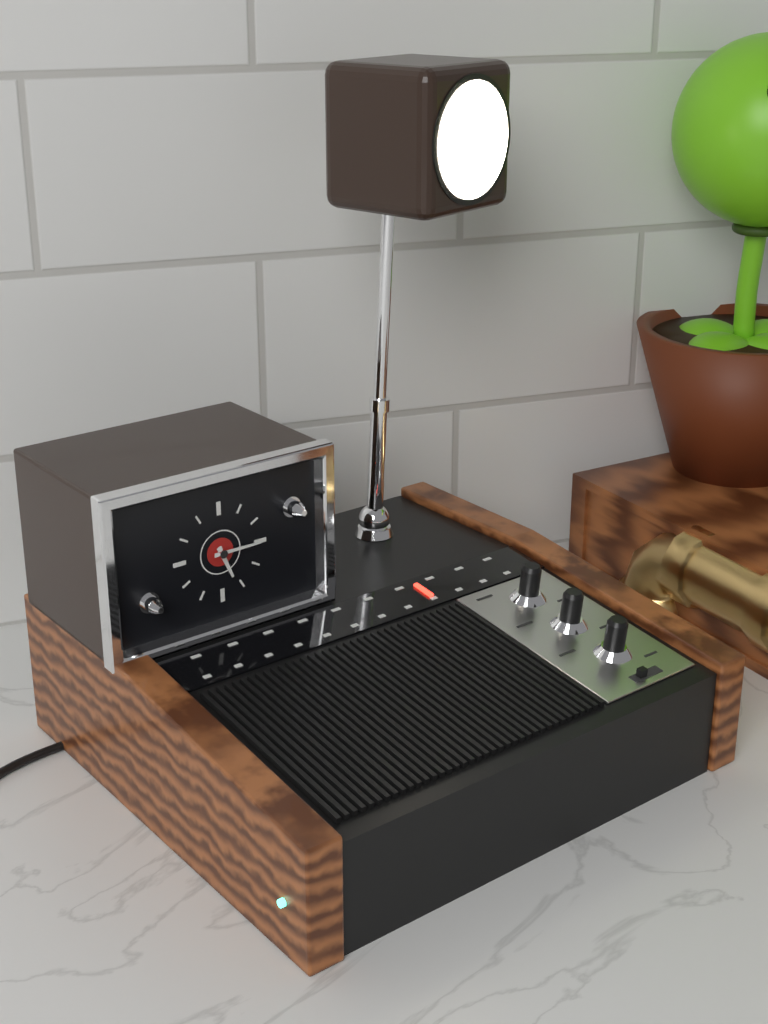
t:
5:15
